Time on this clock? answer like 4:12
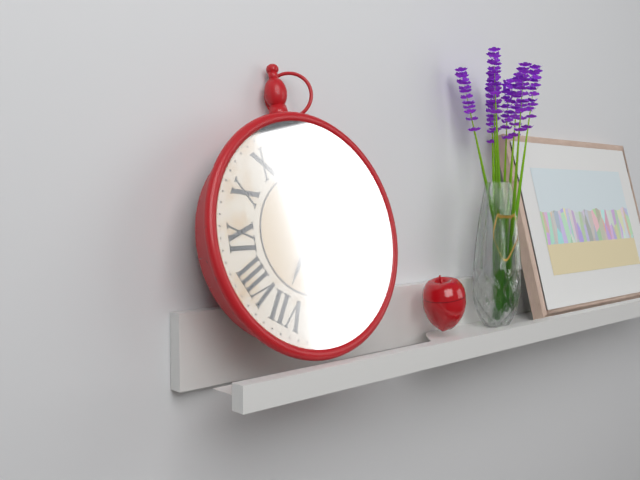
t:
7:09
